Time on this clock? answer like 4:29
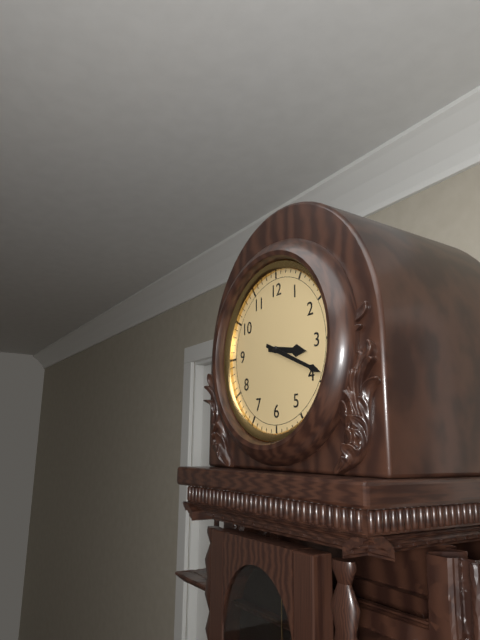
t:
3:19
